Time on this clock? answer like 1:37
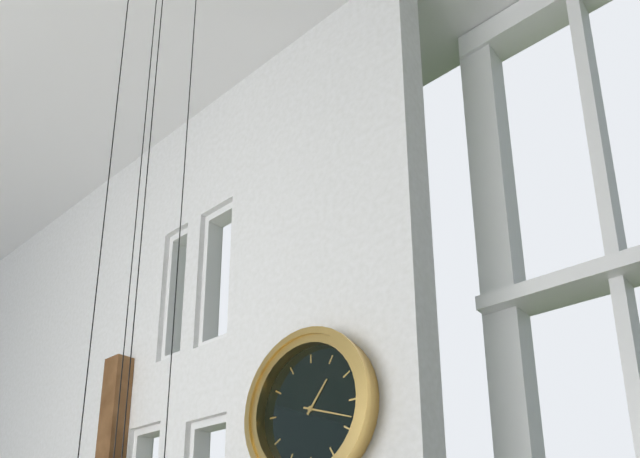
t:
1:18
